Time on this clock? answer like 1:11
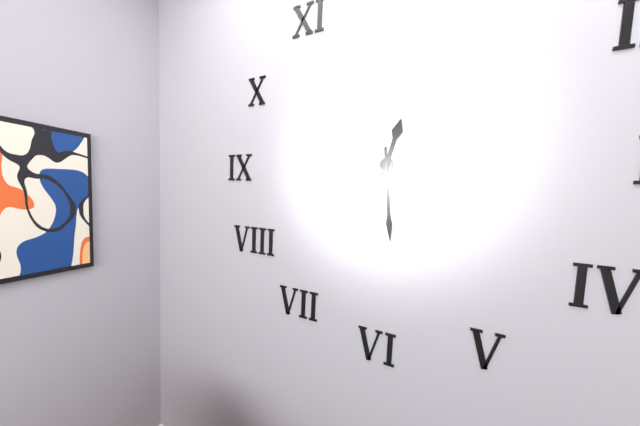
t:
12:29
